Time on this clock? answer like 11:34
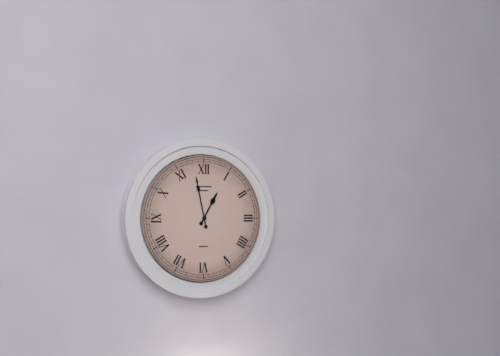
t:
12:58
